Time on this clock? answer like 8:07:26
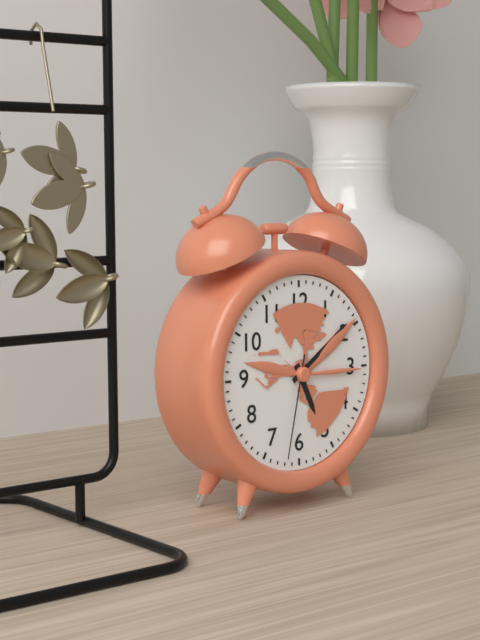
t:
5:09:32
